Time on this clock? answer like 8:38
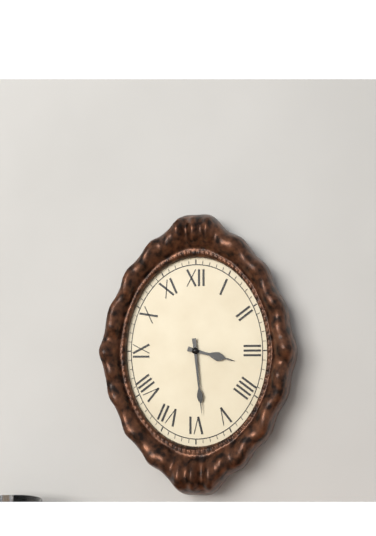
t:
3:29
